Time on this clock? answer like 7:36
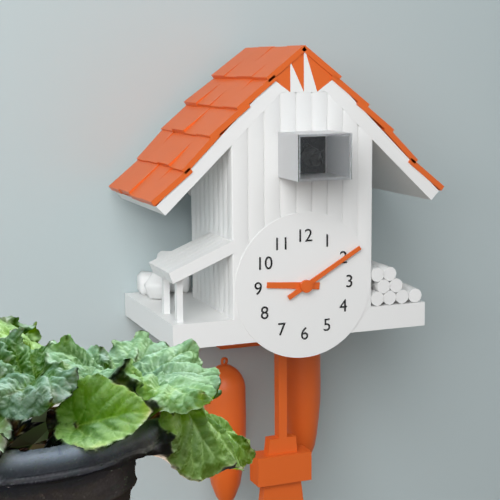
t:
9:10
